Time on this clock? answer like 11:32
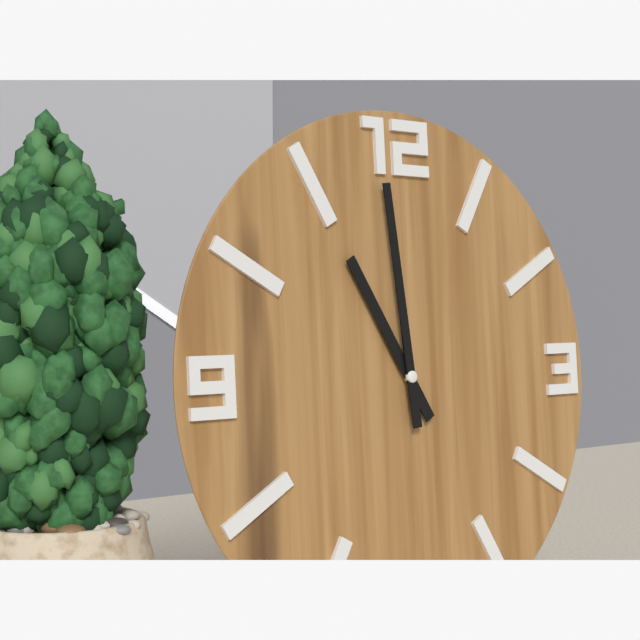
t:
10:59
